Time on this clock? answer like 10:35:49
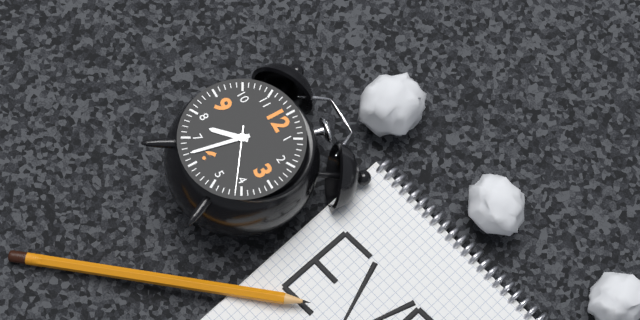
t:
7:32:21
